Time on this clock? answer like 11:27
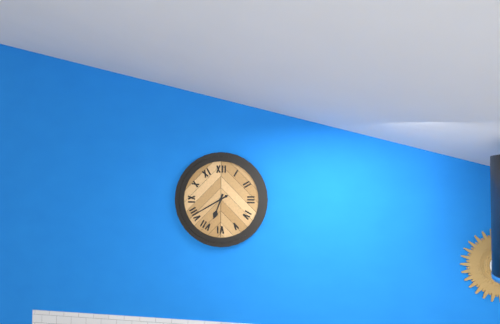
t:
6:40
